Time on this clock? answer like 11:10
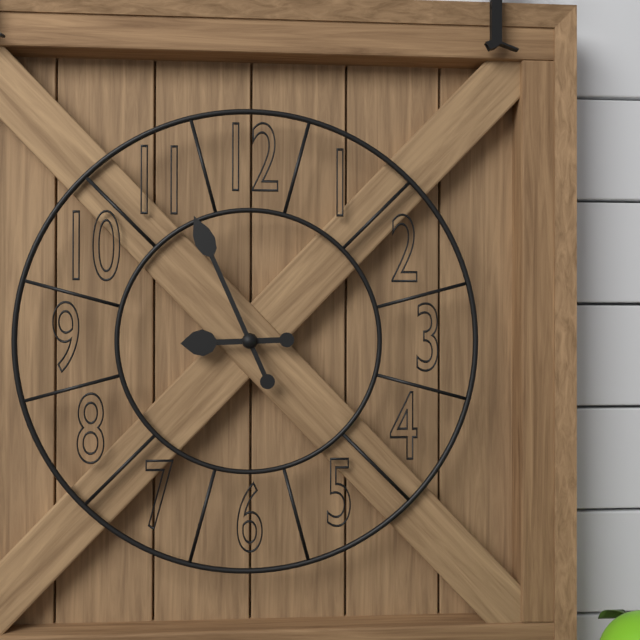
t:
8:56
